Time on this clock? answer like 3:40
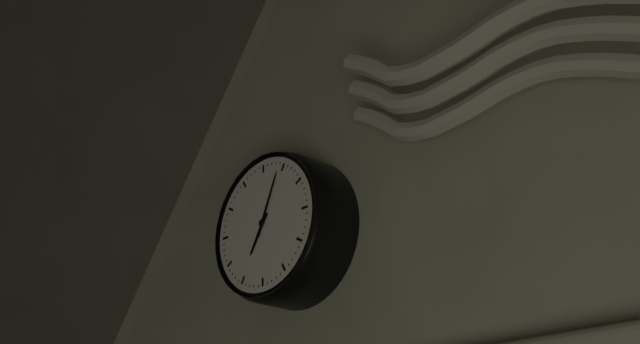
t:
7:04
